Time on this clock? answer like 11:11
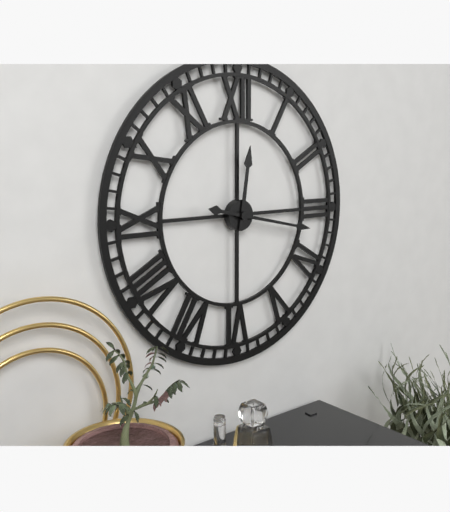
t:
12:17
